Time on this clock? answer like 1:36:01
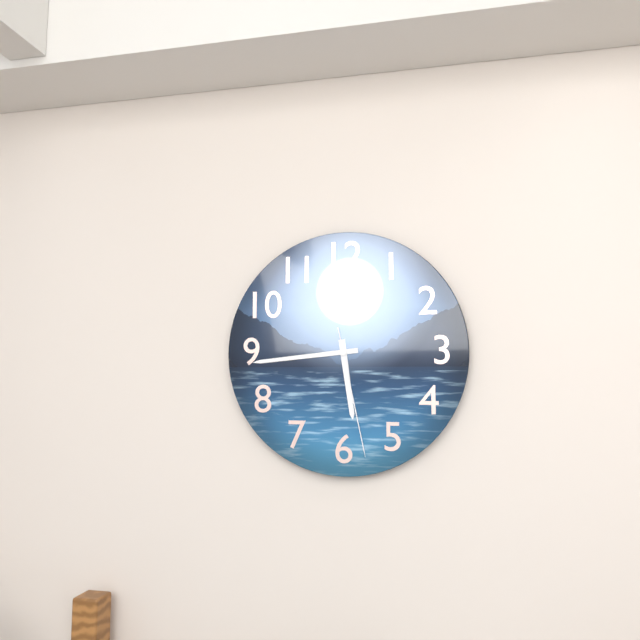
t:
5:44:28
